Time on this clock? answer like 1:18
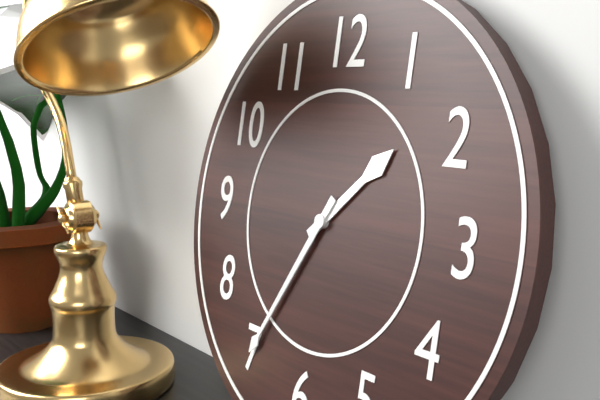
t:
1:35
